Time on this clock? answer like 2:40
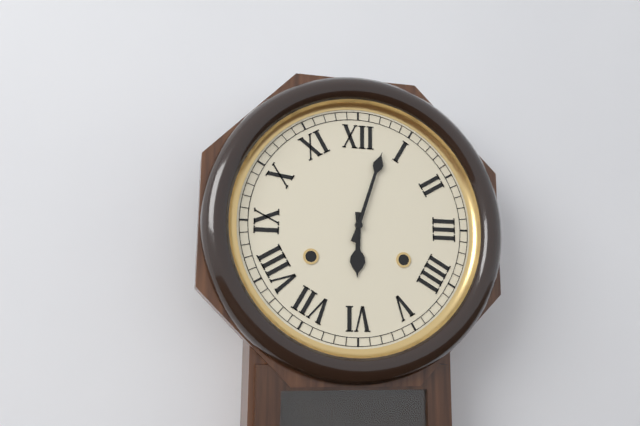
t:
6:03
